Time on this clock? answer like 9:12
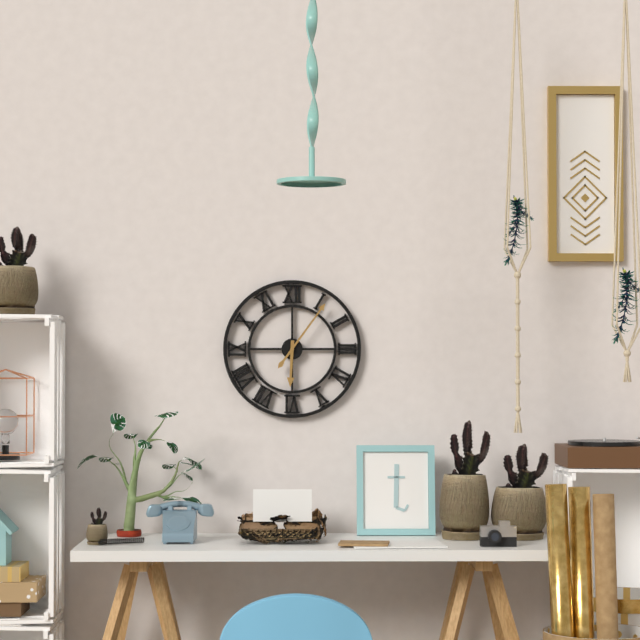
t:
6:06
